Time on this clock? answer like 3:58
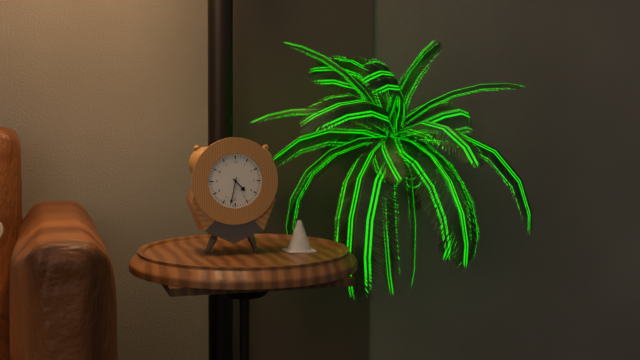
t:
4:32
